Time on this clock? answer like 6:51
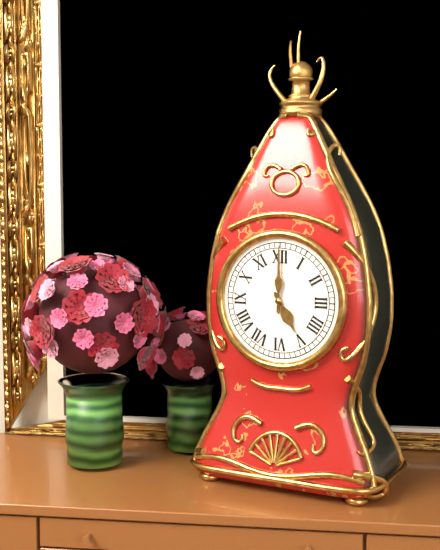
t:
5:00
